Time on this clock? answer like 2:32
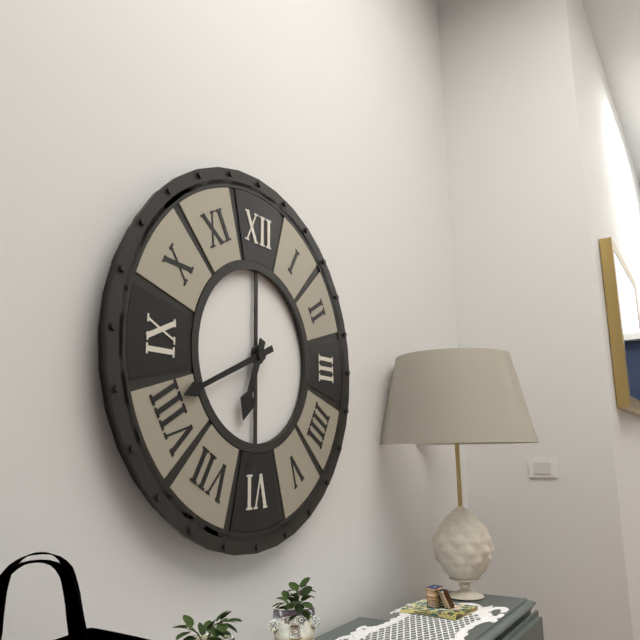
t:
6:41
